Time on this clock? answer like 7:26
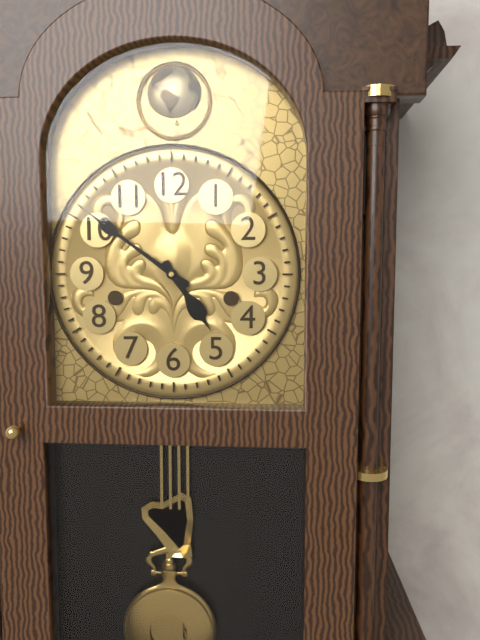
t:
4:51
